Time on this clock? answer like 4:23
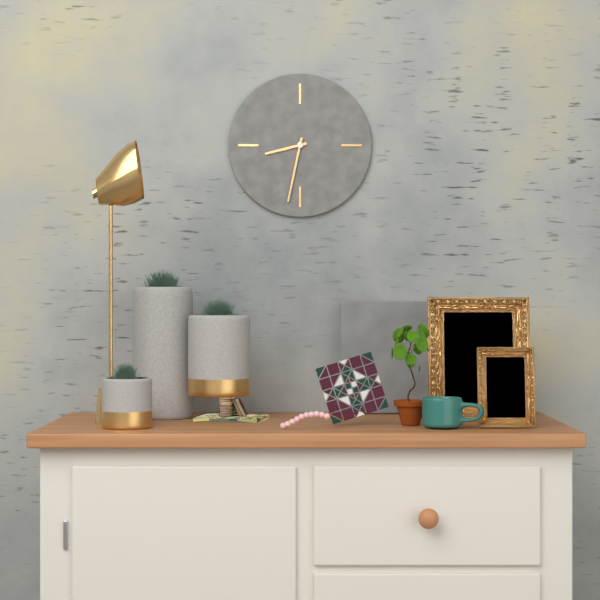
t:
8:32
